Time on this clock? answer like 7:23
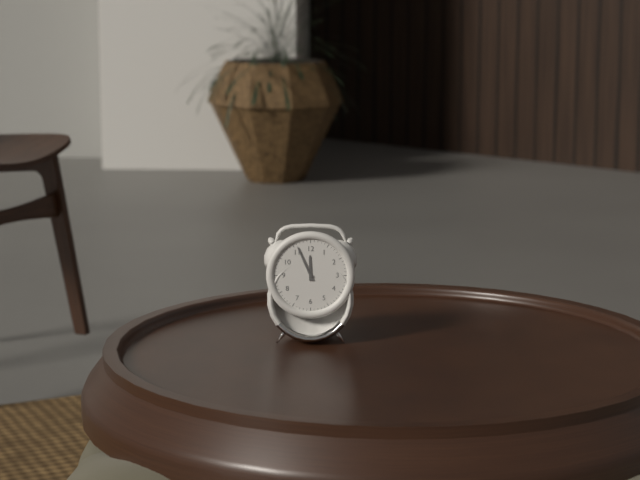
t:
11:56
